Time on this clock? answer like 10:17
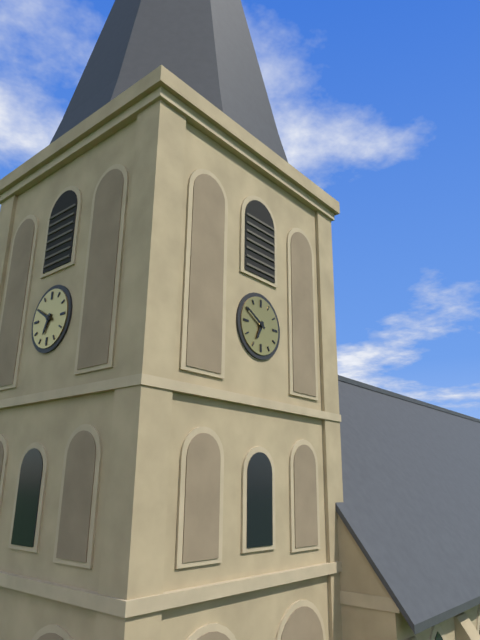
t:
6:50
